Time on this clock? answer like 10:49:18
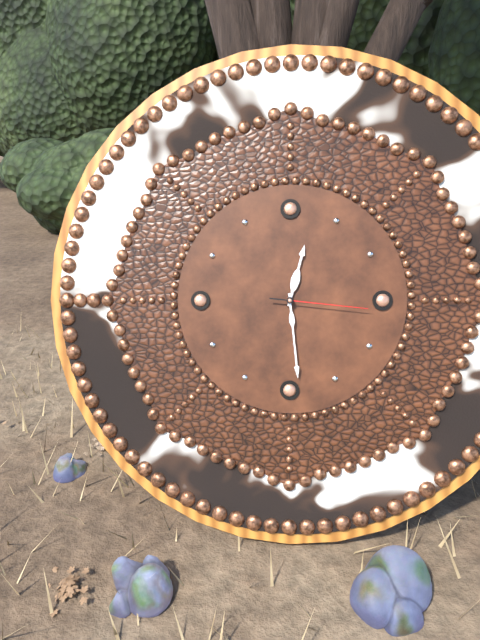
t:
12:29:16
